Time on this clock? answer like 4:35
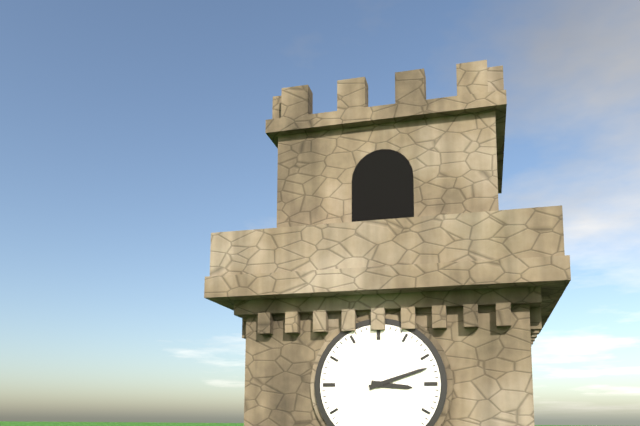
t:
3:12
